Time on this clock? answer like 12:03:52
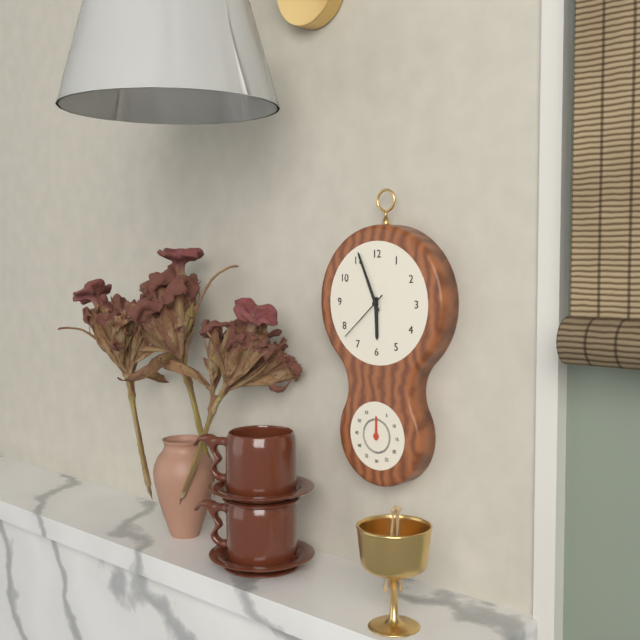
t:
5:56:38
